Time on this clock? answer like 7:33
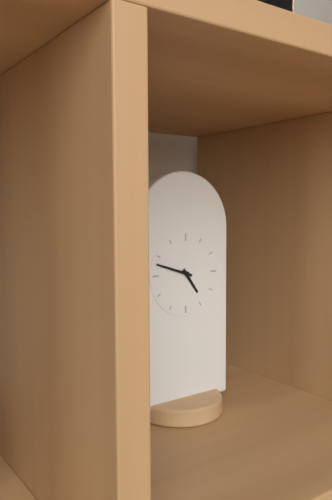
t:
4:48
